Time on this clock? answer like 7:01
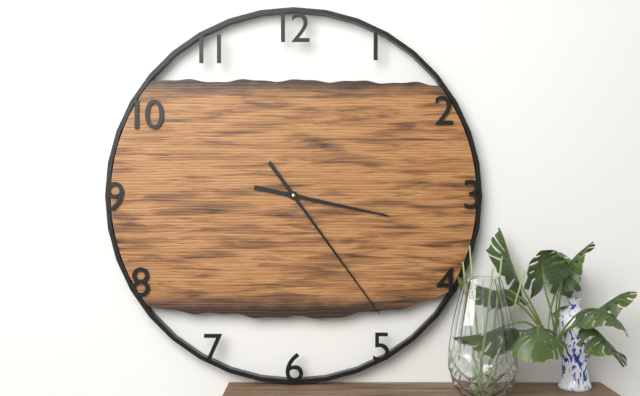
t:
3:24
